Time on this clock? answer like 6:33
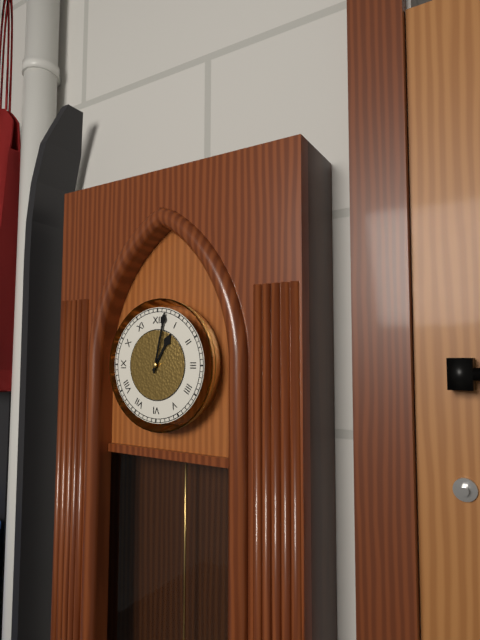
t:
1:02
